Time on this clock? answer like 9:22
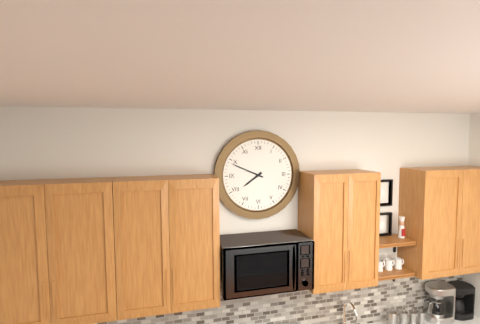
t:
7:49
